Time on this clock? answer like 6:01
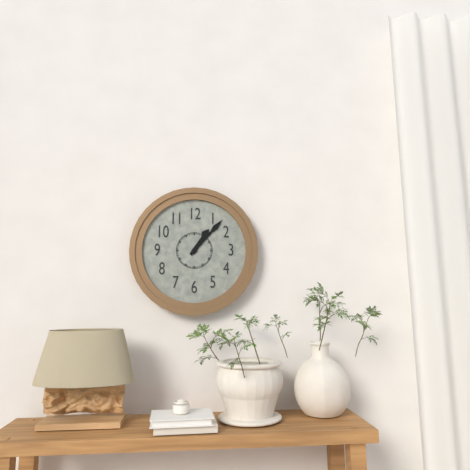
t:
1:07
